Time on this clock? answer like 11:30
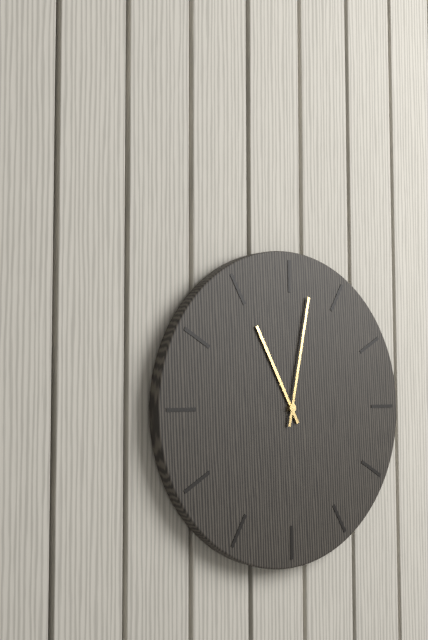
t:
11:02
